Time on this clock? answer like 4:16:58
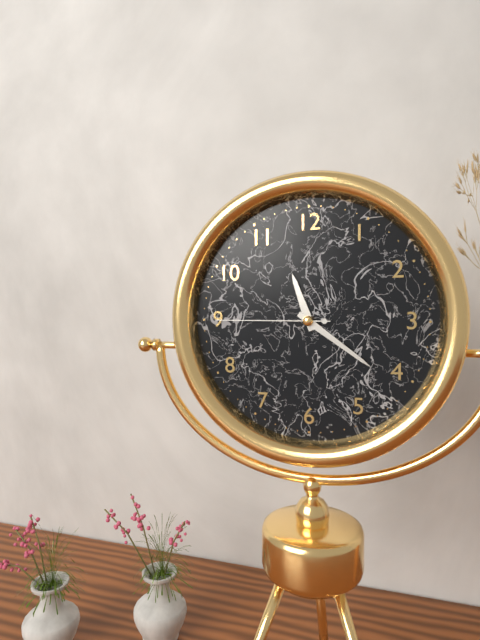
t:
11:21:45
